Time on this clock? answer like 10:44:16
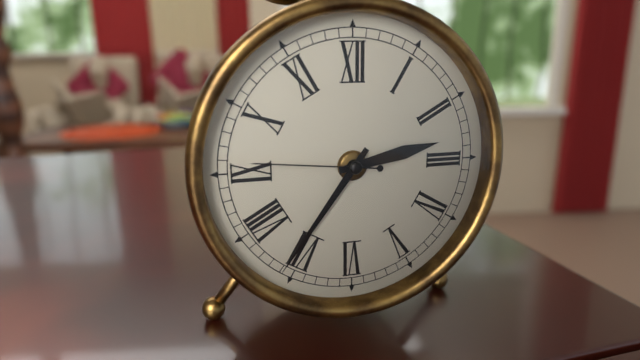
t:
2:36:46
